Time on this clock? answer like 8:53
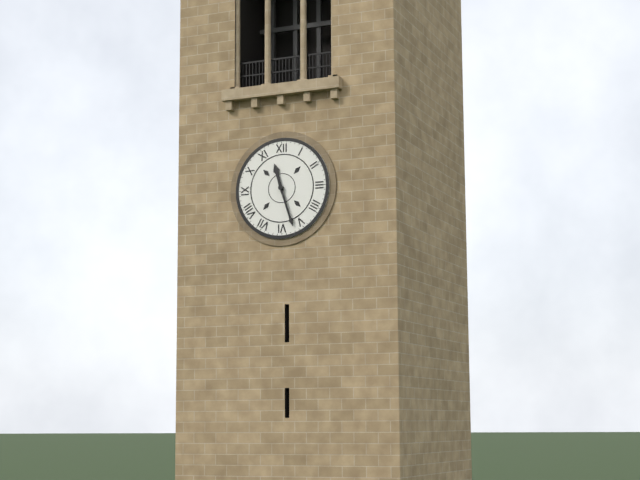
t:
11:27
